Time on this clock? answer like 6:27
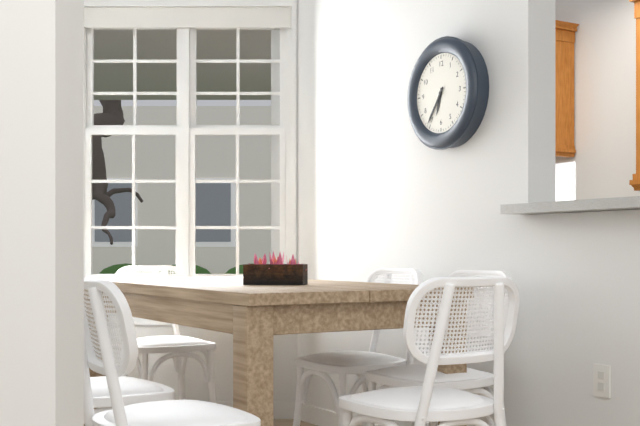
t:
6:36
